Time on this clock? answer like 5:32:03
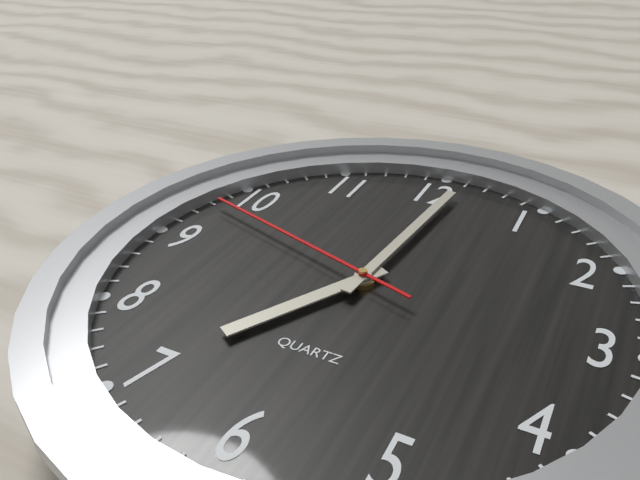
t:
7:01:48
